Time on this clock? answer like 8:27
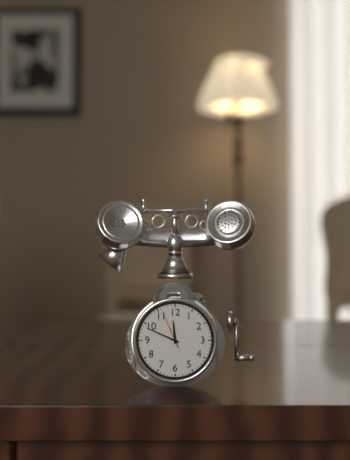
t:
11:49
